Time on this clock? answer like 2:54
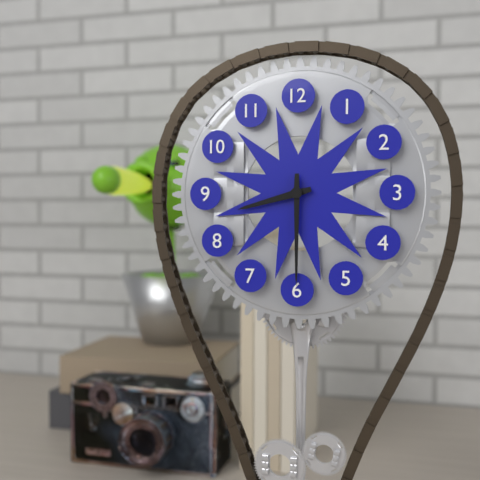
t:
8:30
